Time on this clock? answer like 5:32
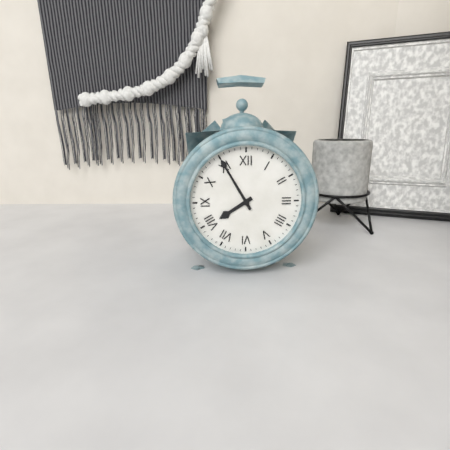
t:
7:55
